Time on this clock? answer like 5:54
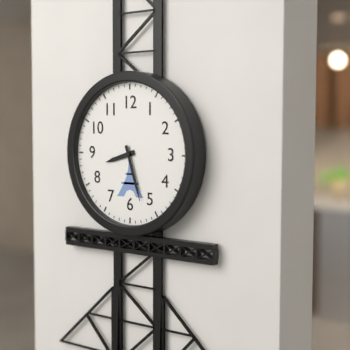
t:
8:27
